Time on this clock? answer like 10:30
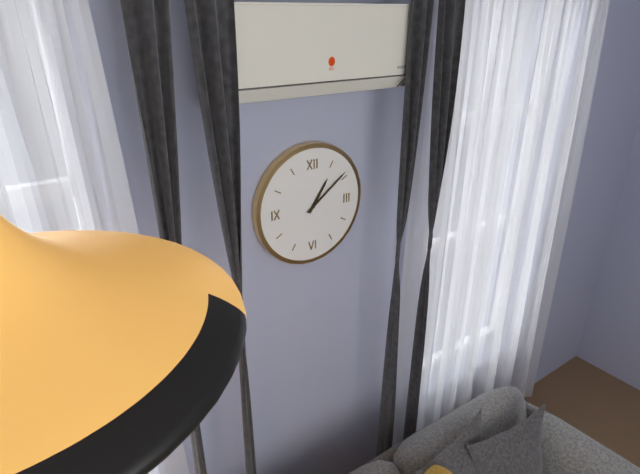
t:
1:09
